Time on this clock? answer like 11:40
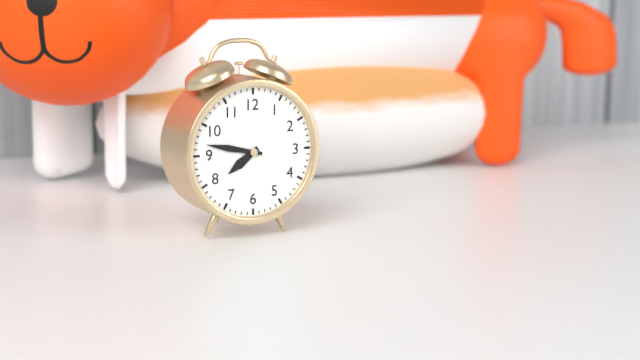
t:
7:47
